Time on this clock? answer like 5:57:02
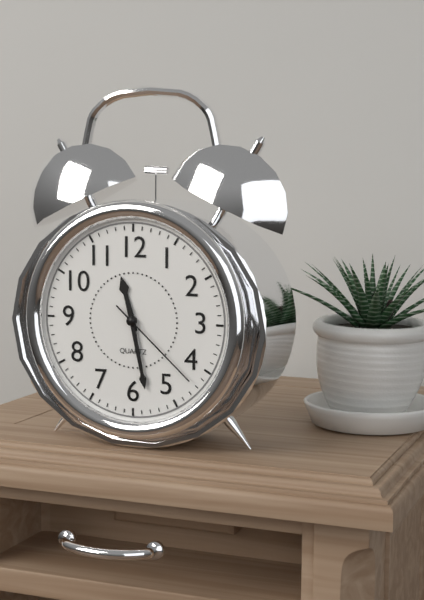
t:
11:28:22
